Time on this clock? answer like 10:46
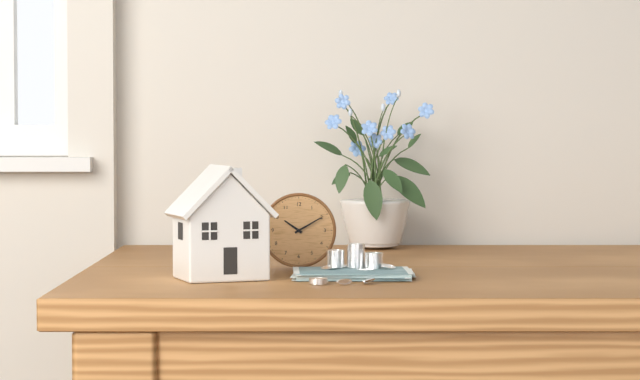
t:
10:10
